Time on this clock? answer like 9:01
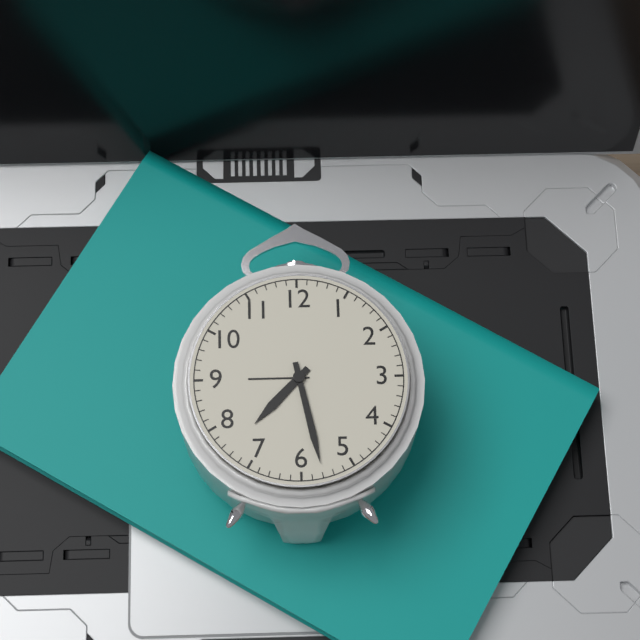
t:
7:28
